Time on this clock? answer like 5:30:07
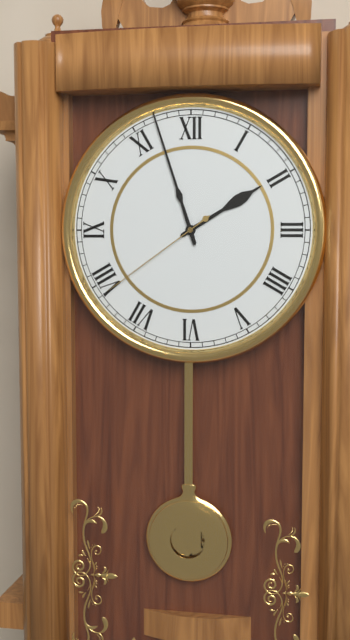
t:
1:57:39
